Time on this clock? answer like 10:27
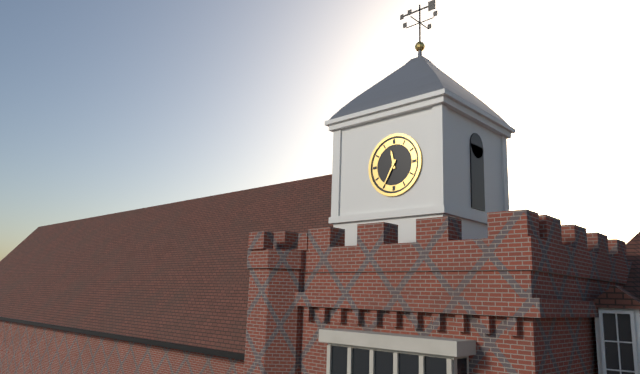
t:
11:35
